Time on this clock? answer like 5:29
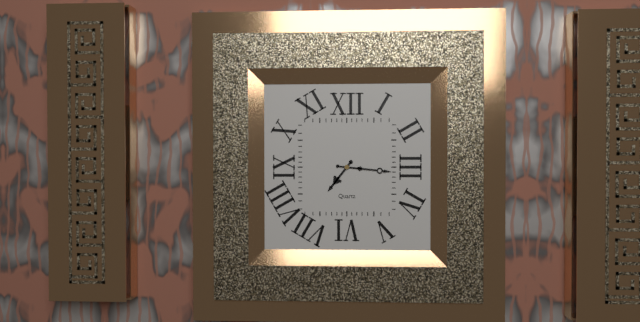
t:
7:16
